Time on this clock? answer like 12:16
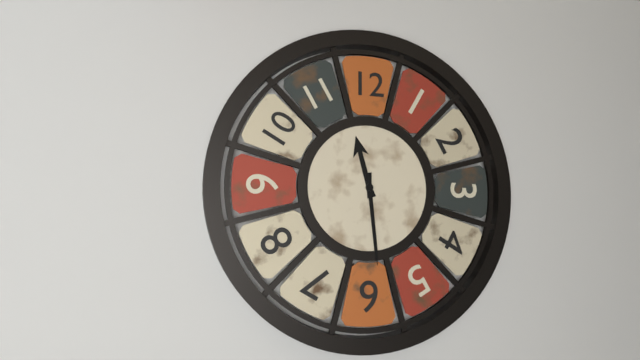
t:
11:29
